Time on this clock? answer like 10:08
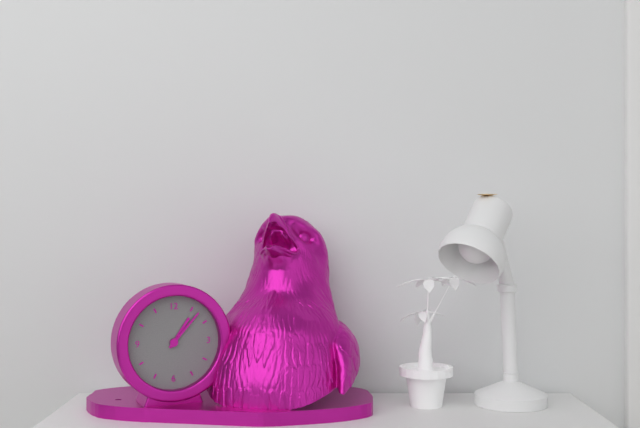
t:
1:07
